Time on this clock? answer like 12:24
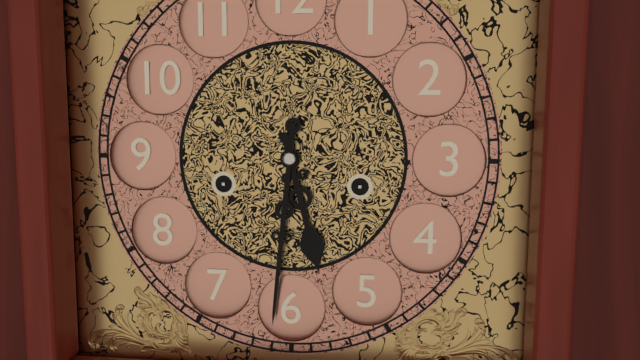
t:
5:31
